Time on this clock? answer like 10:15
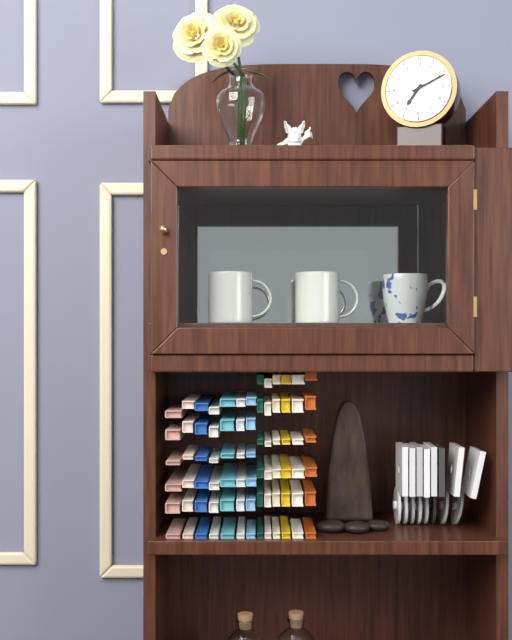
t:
7:11
